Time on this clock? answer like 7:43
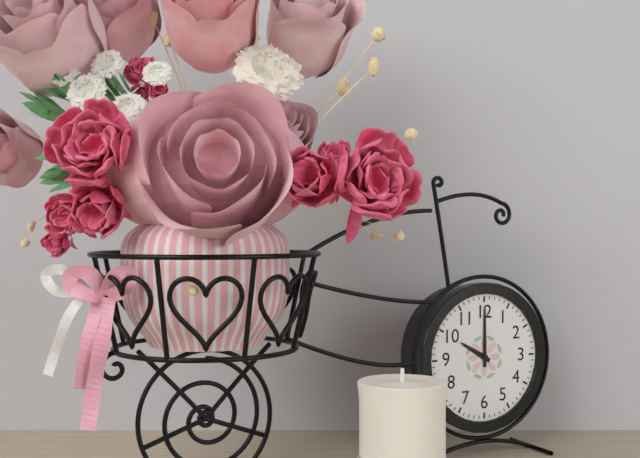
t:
10:00
